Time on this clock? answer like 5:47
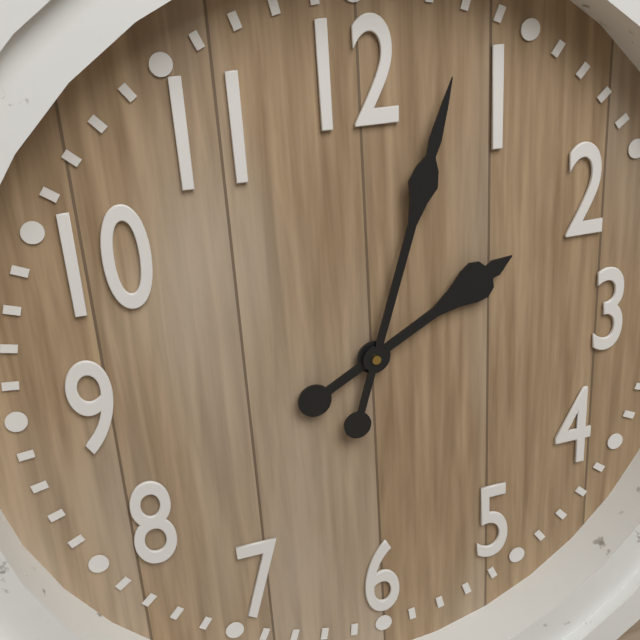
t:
2:03
